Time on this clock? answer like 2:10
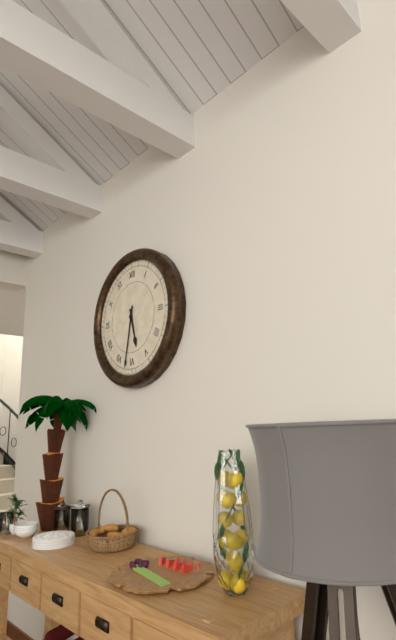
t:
5:32
